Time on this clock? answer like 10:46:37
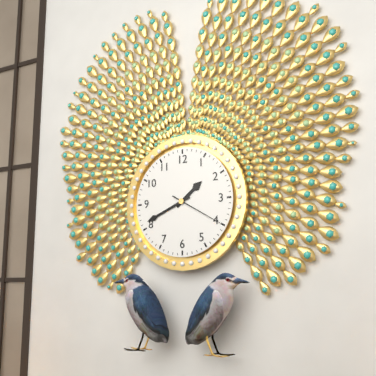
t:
1:41:20
